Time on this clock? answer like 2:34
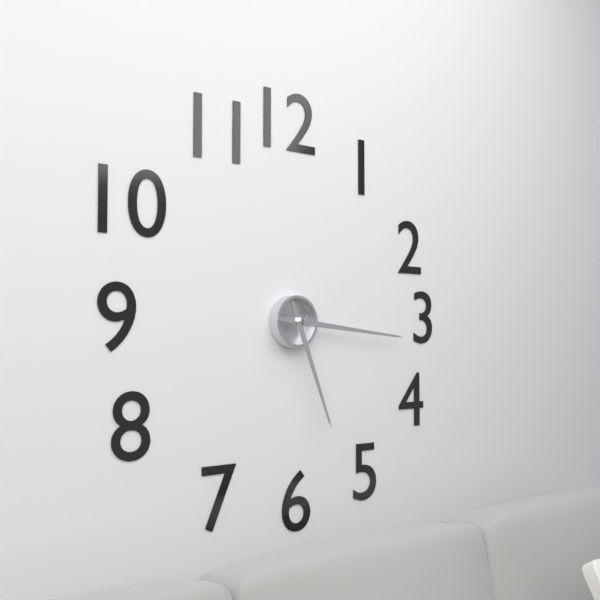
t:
5:16
